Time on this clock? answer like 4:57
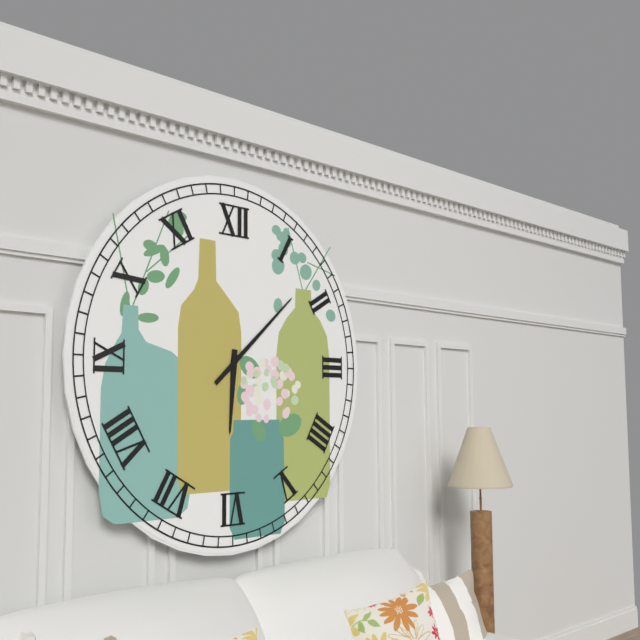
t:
6:08
